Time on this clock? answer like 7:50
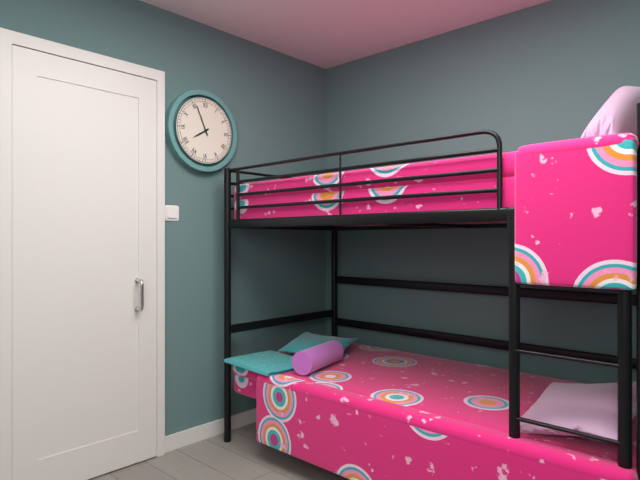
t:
7:56
